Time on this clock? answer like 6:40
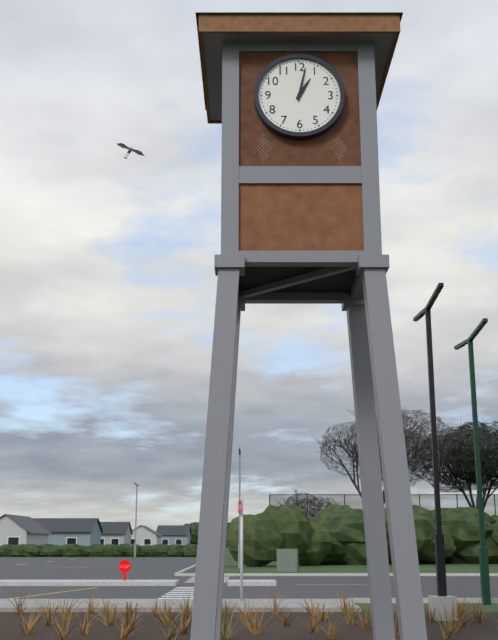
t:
1:02
